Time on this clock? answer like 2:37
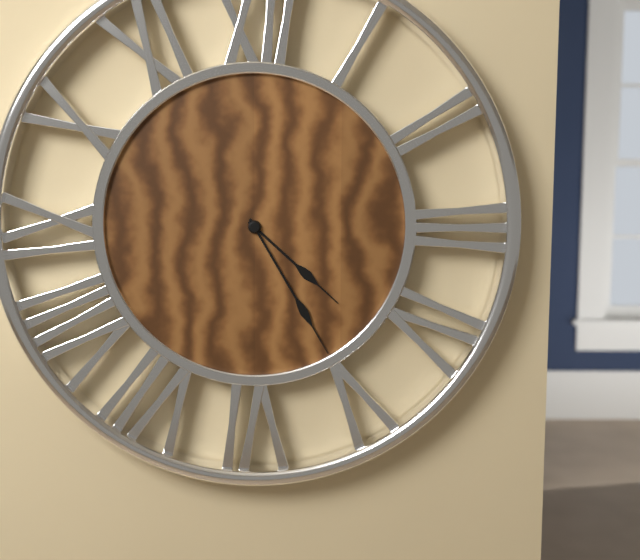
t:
4:25
